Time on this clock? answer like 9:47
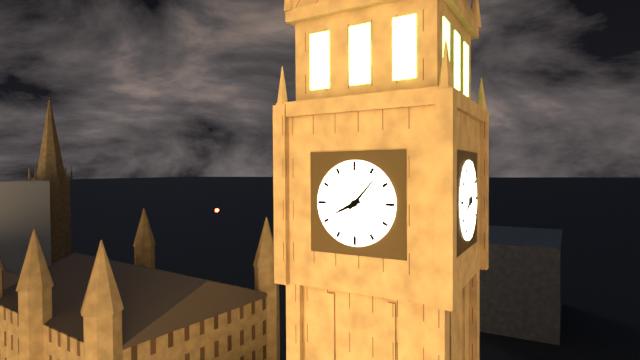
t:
8:07
